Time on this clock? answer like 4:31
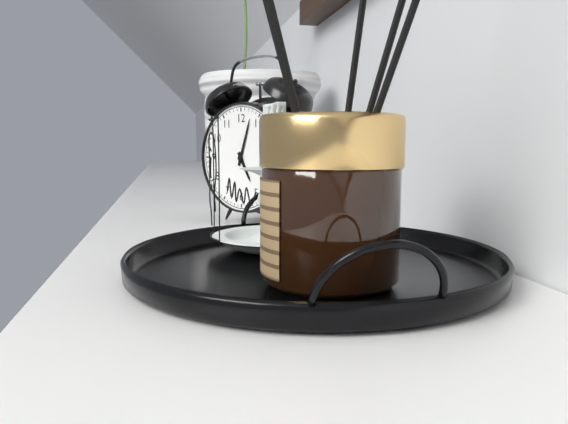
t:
5:03
